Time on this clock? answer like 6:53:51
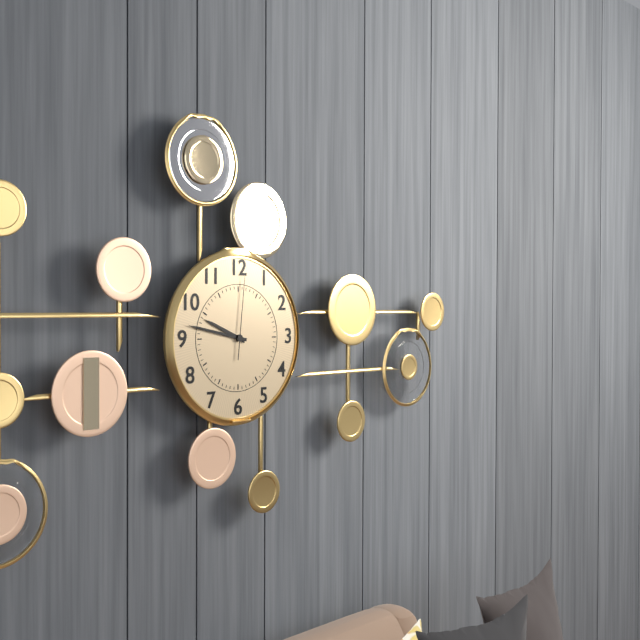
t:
9:47:01
